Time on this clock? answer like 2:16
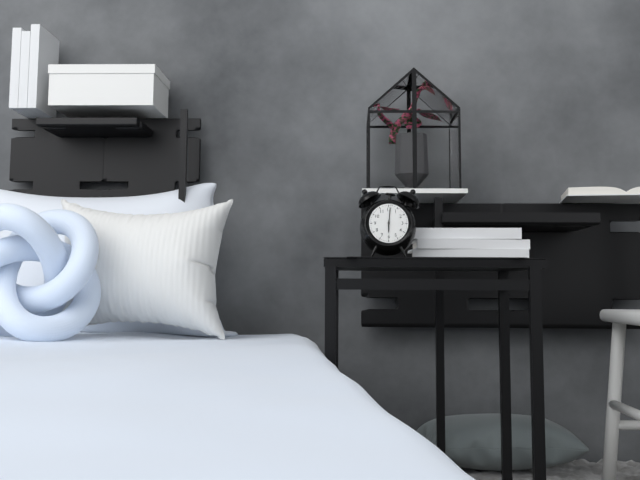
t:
6:01
